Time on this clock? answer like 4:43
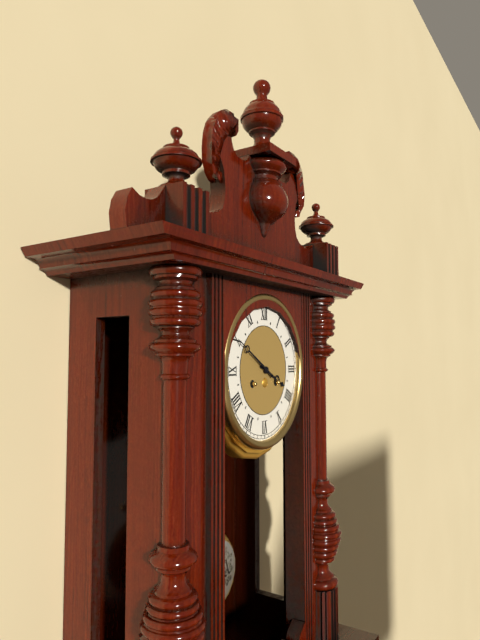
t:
3:50
